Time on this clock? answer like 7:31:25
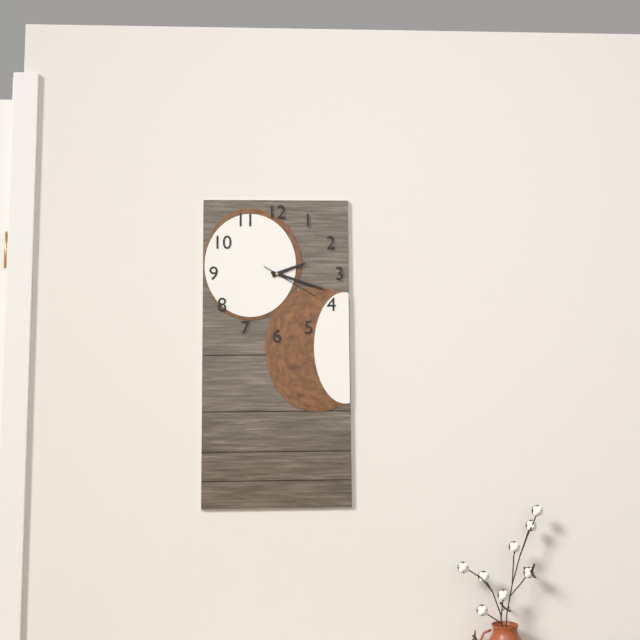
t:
2:18:20
